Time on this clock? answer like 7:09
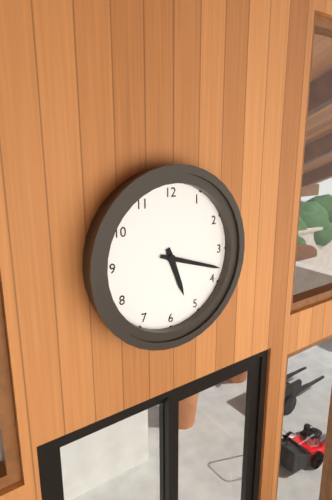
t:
5:18
